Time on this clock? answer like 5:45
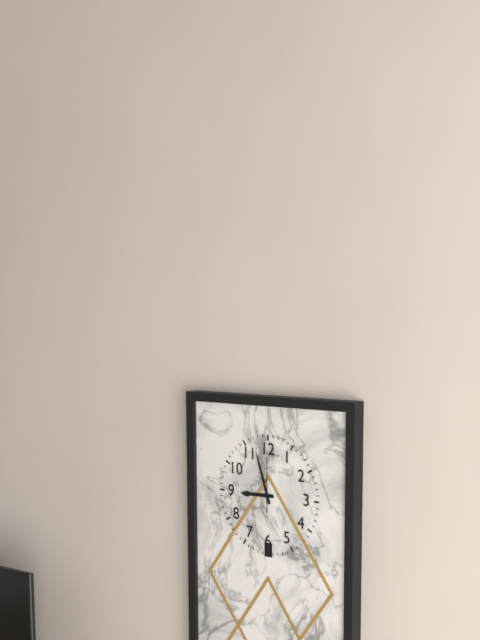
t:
8:57
